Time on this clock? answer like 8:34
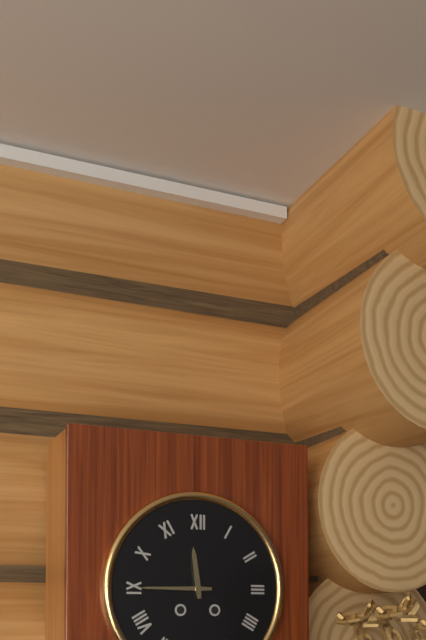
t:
11:45
